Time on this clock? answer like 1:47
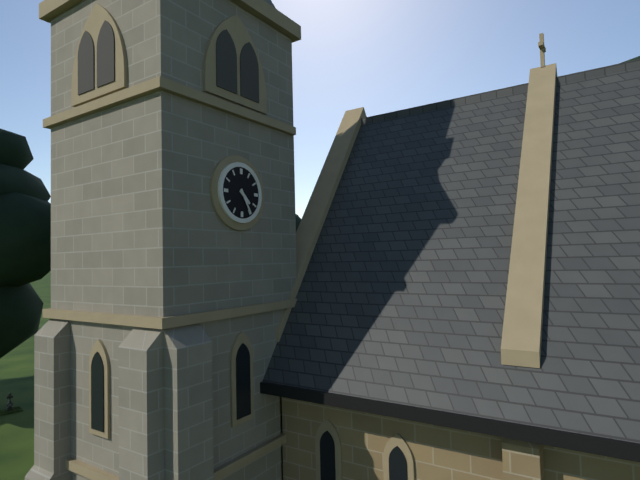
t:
4:25
